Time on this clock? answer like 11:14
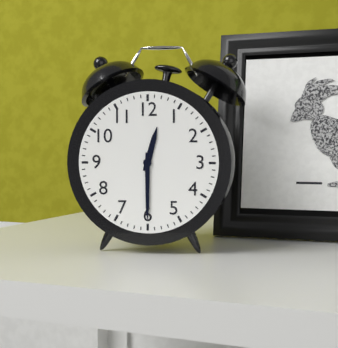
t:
12:30
